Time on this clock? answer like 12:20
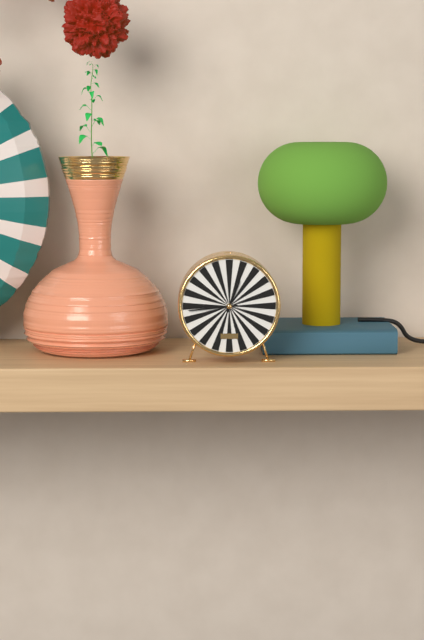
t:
12:44
